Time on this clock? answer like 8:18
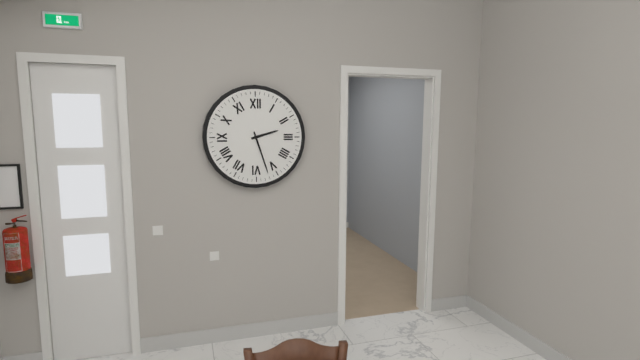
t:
2:27
